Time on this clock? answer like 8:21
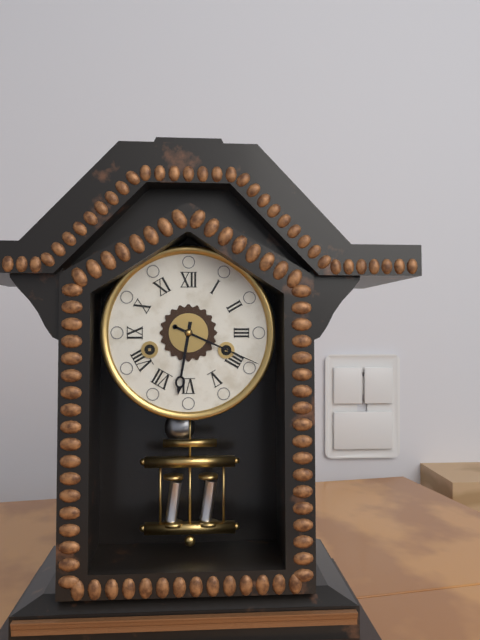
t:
6:19
